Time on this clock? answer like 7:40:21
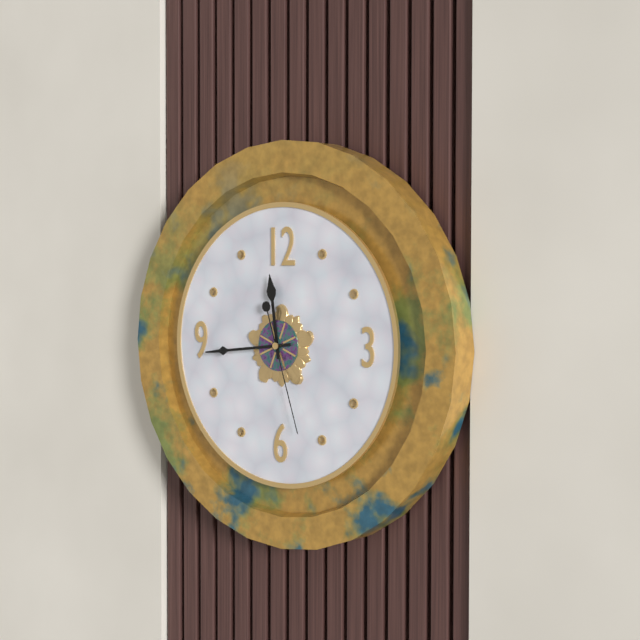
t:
11:44:27
